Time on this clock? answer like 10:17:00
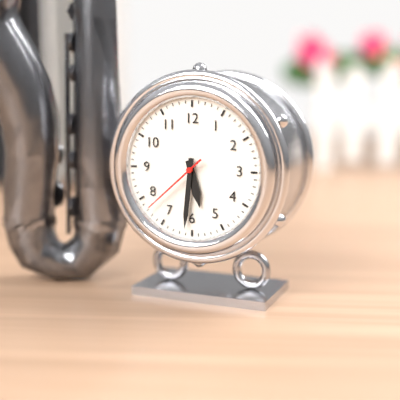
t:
5:31:38
